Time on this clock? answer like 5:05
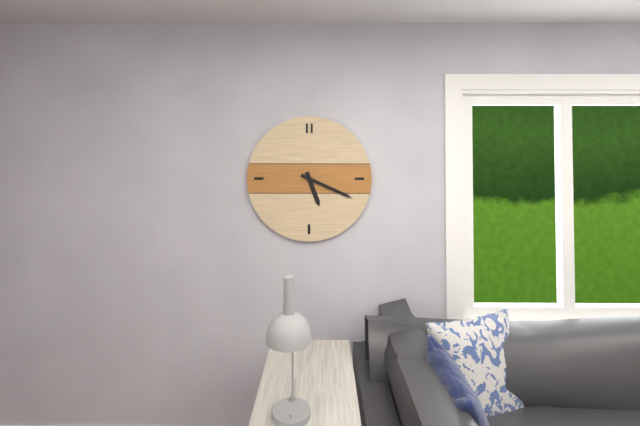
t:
5:19
